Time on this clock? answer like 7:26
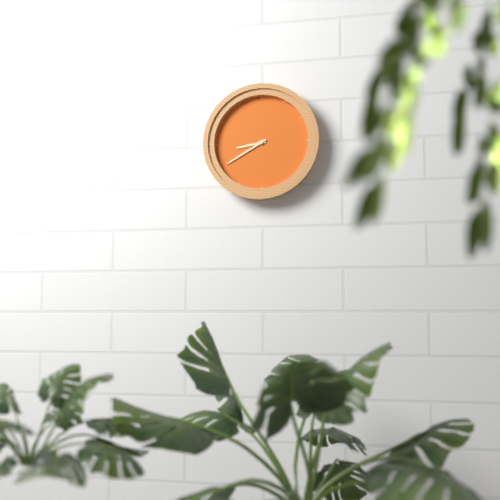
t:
8:40
